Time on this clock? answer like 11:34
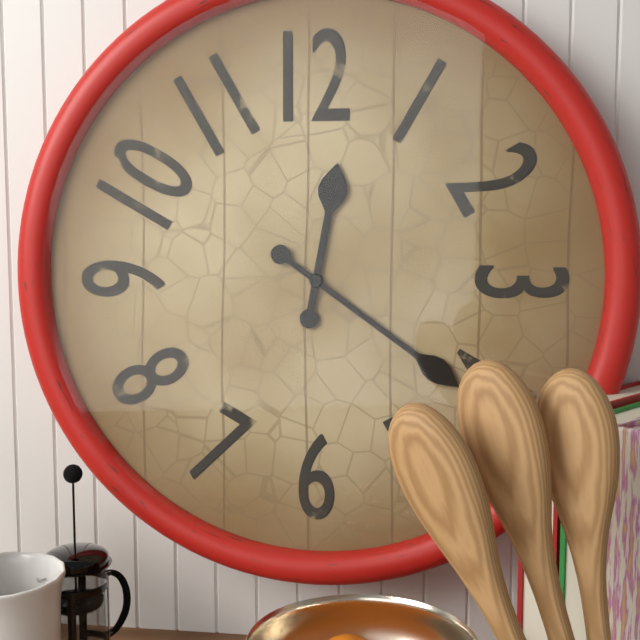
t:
12:21
